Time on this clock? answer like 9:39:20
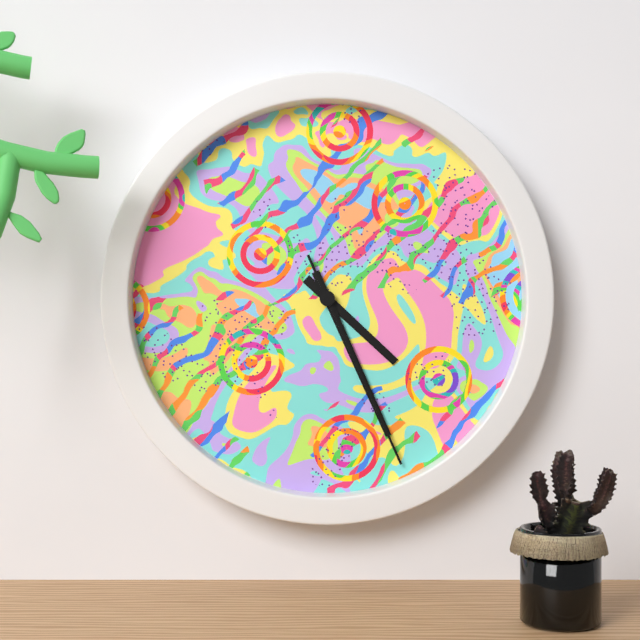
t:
4:26:26
